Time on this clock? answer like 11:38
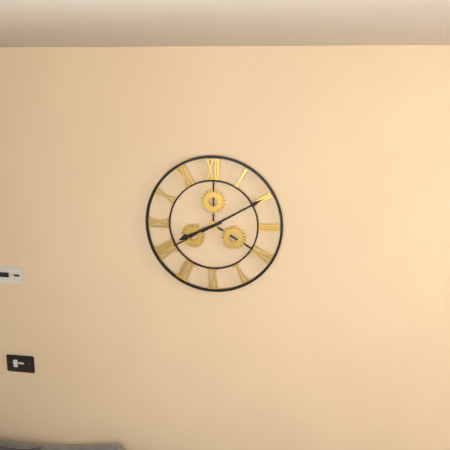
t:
8:10
